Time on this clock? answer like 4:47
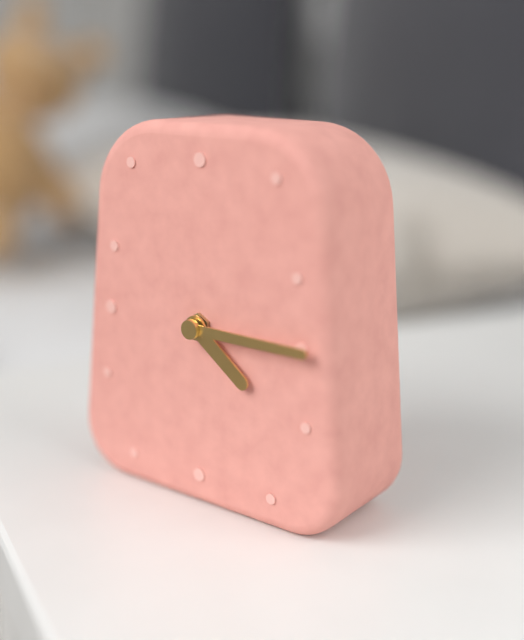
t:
4:15
